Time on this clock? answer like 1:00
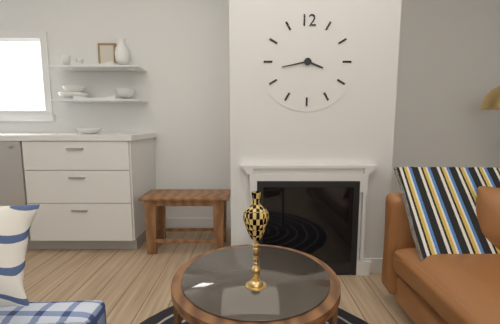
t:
3:43
